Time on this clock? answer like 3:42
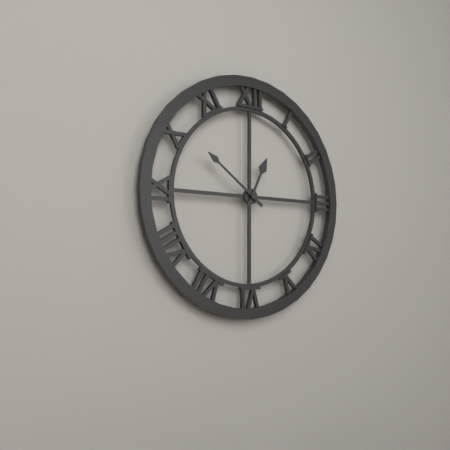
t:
12:51
